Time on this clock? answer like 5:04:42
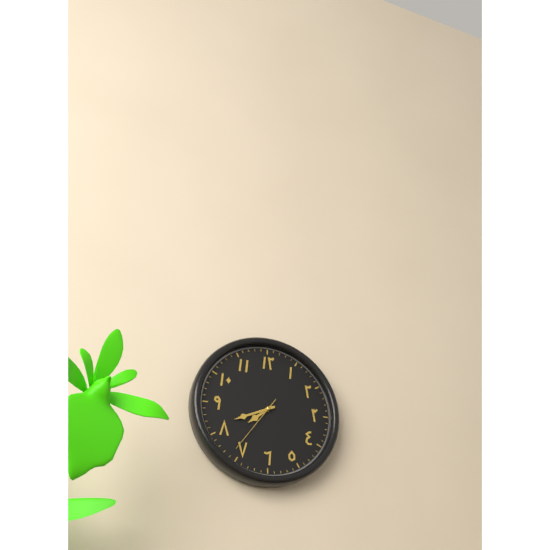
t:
7:41:36
